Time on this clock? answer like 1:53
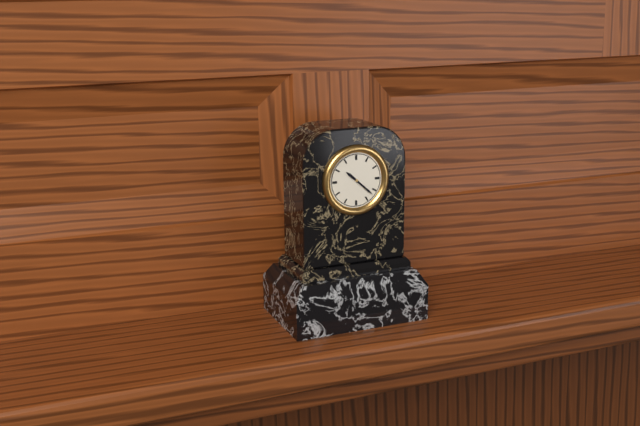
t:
10:22
